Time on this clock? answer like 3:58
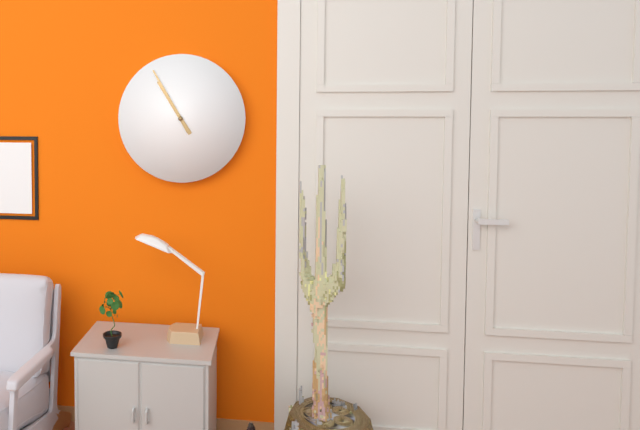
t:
10:55
